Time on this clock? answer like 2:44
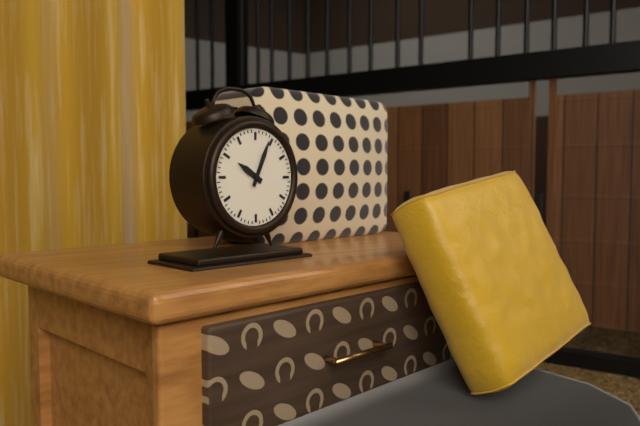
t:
10:04
